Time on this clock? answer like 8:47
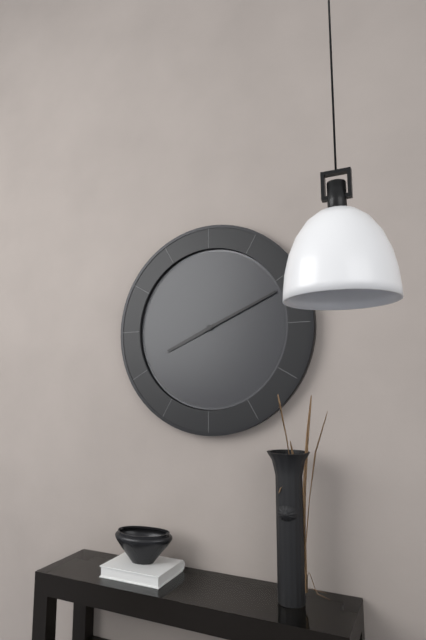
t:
8:11
